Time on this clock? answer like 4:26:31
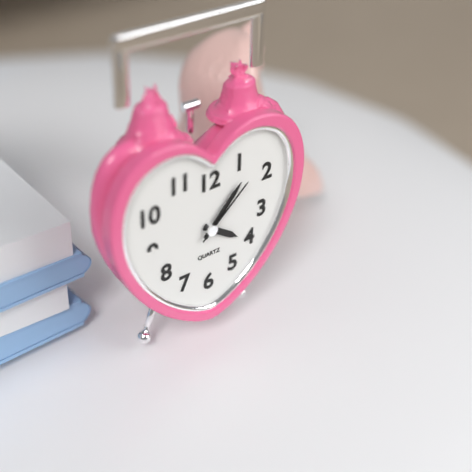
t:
4:07:08
